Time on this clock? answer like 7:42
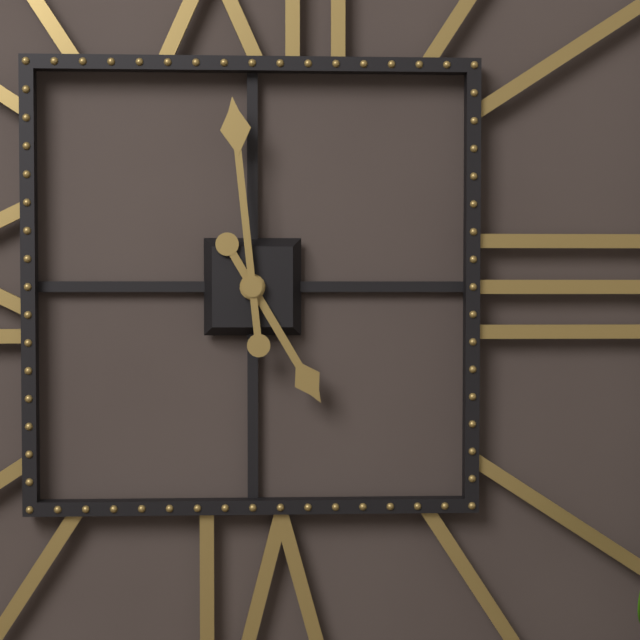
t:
4:59
